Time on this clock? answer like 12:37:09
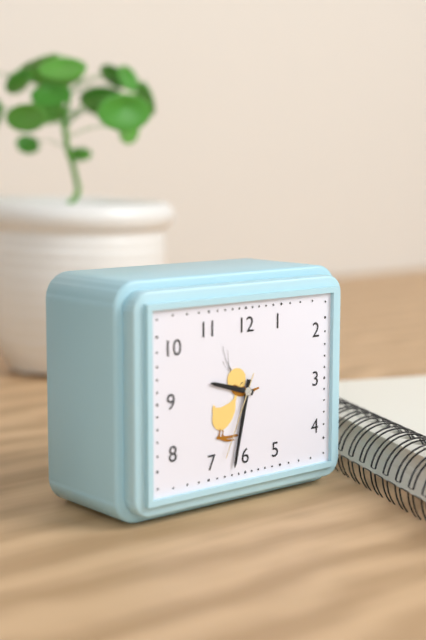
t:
9:32:34
